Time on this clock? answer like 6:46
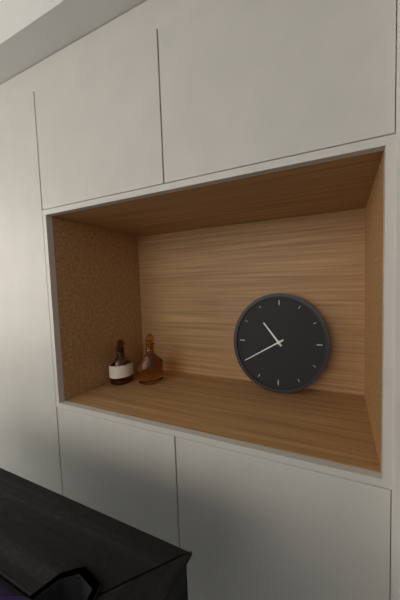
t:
10:40
